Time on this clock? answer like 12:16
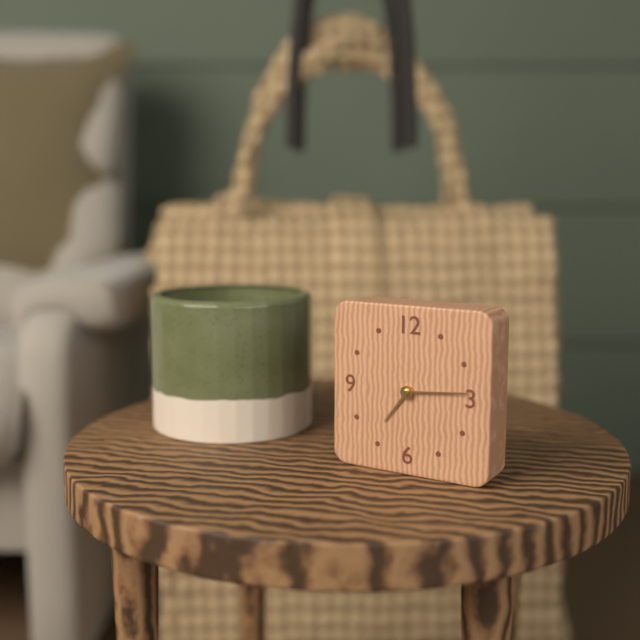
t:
7:14
